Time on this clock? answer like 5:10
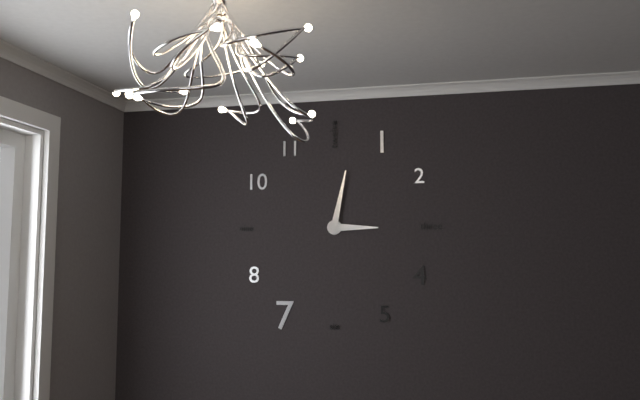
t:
3:02
